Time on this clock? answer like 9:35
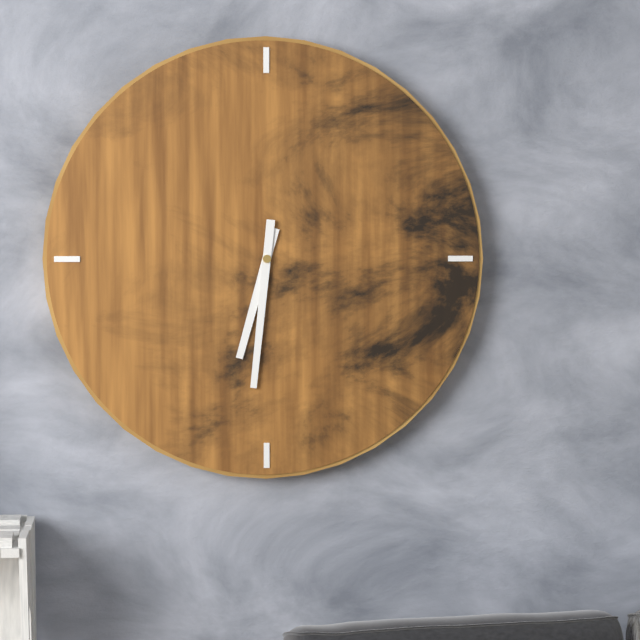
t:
6:31
